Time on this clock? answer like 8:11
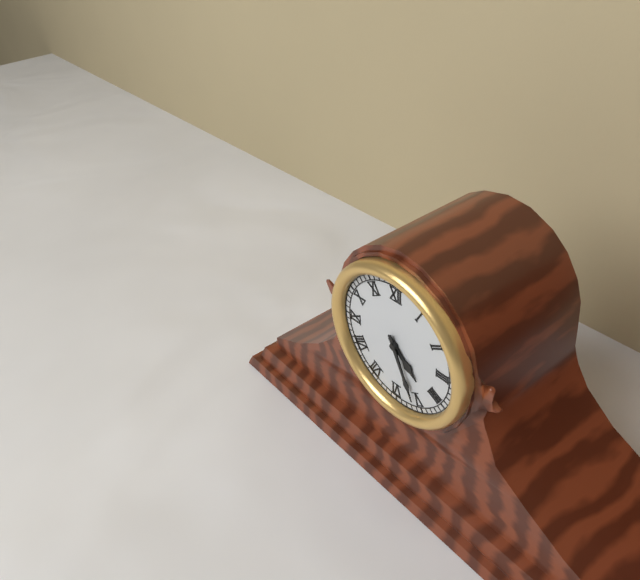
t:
4:26
